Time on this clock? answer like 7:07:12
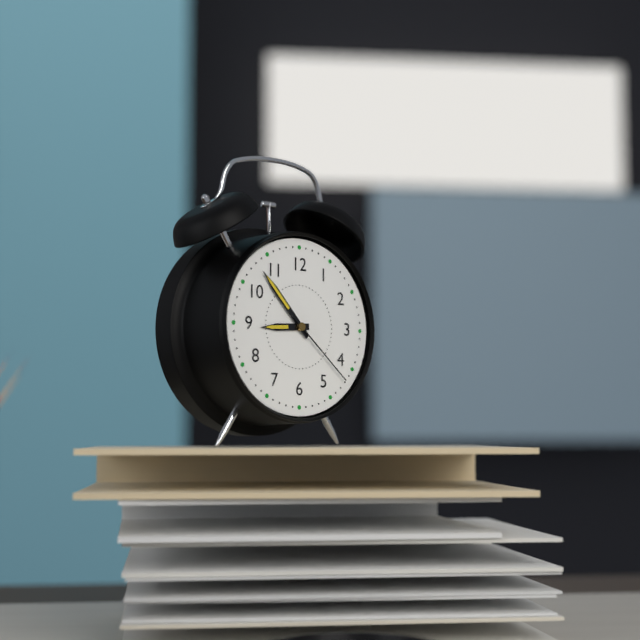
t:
8:53:22
